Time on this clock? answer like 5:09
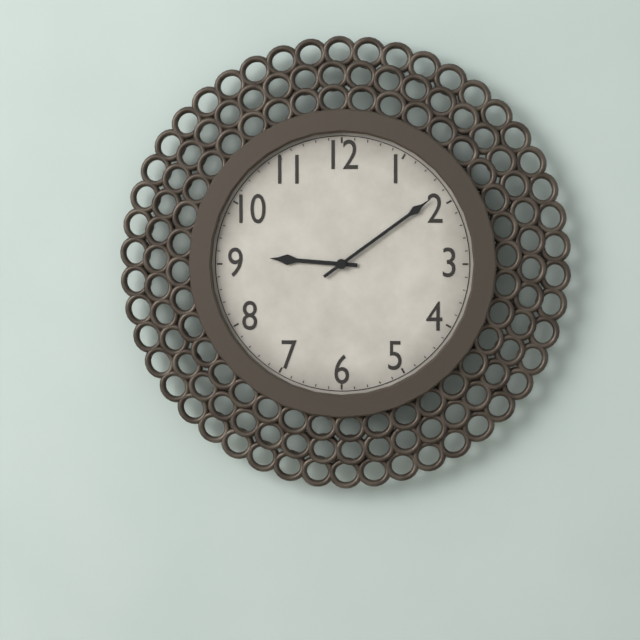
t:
9:09
